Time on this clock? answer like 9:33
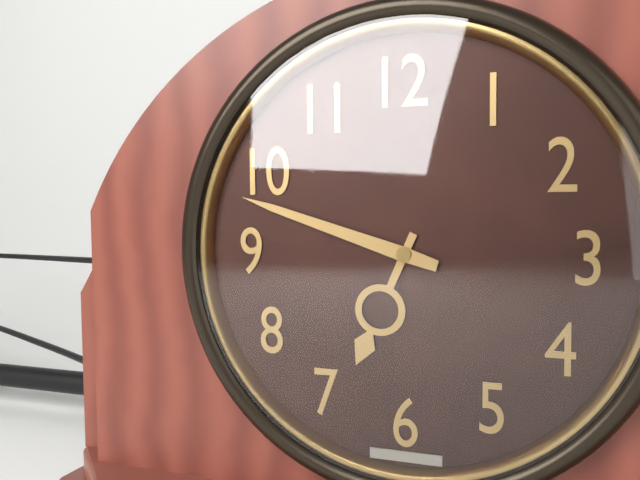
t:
6:48
